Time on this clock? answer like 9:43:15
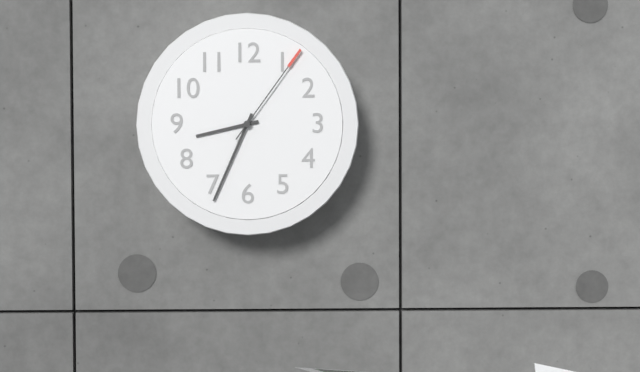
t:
8:34:06
